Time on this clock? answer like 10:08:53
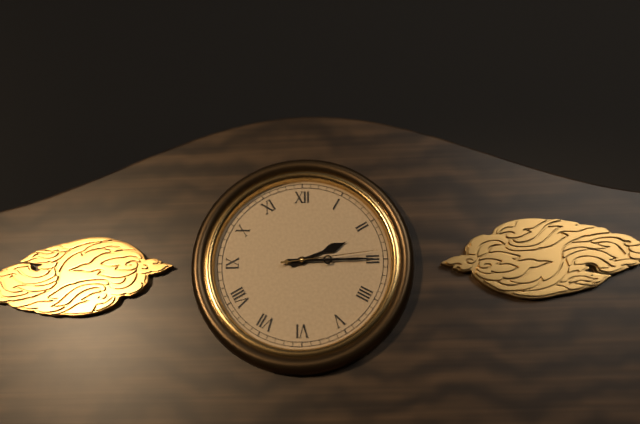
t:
2:15:14
